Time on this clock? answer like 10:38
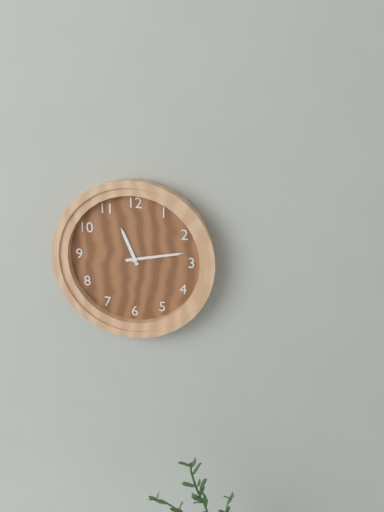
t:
11:13
